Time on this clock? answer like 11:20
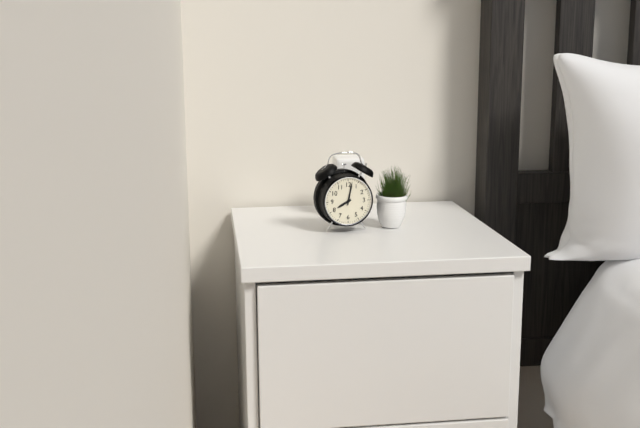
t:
8:02
